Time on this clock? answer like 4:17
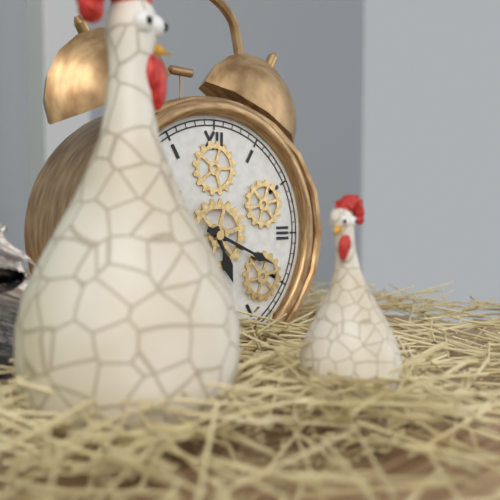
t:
5:19
